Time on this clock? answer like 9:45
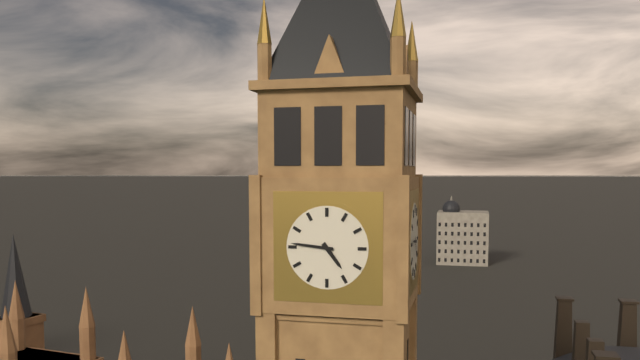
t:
4:46
